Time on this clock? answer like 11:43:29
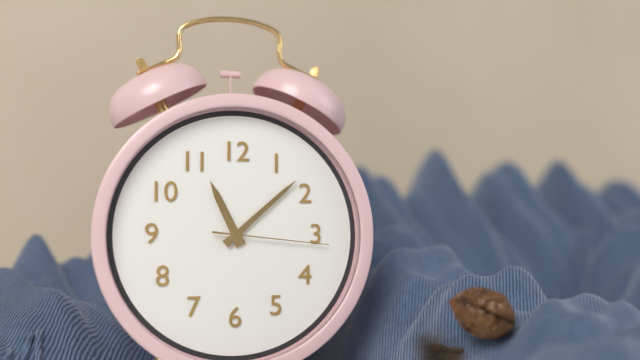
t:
11:08:16
